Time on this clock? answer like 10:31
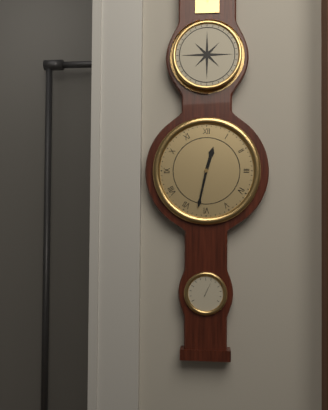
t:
12:32
